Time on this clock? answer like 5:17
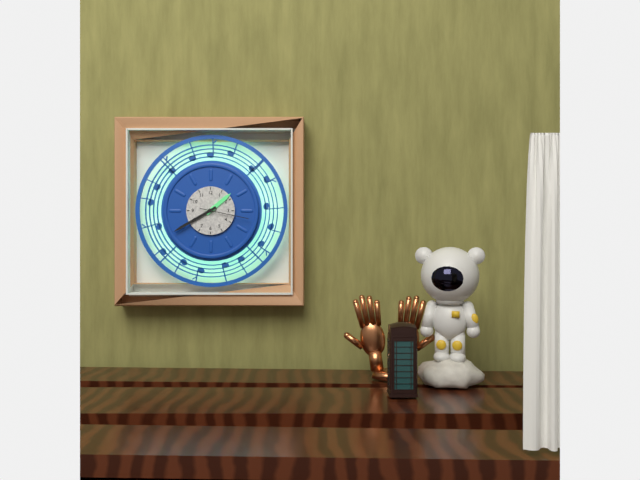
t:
1:40
